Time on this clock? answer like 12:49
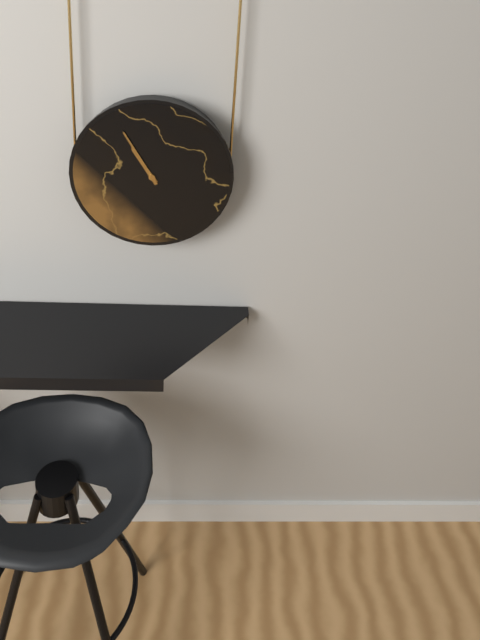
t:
10:55
